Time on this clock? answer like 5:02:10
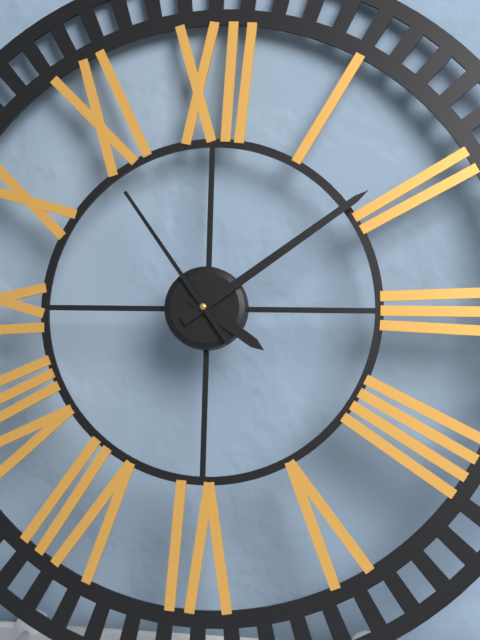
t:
4:09:54
